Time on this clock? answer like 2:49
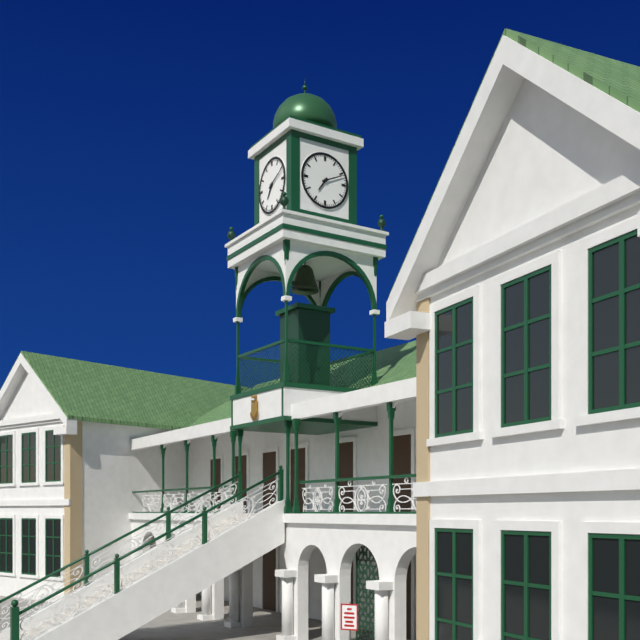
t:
7:11
